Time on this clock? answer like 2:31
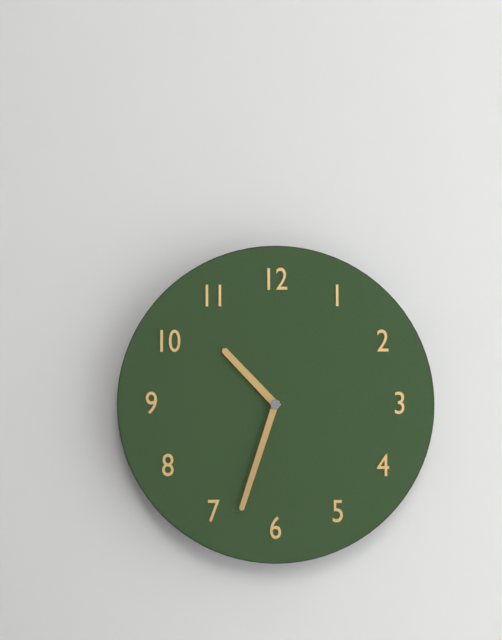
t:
10:33
